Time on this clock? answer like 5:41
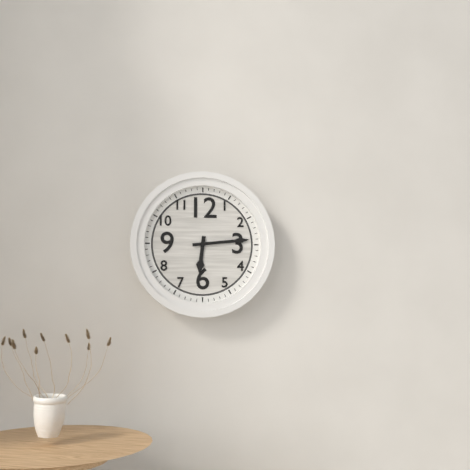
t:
6:14
